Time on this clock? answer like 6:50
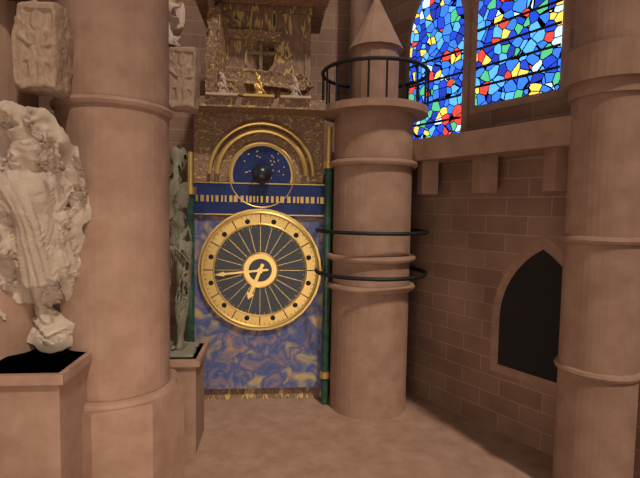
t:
6:44
